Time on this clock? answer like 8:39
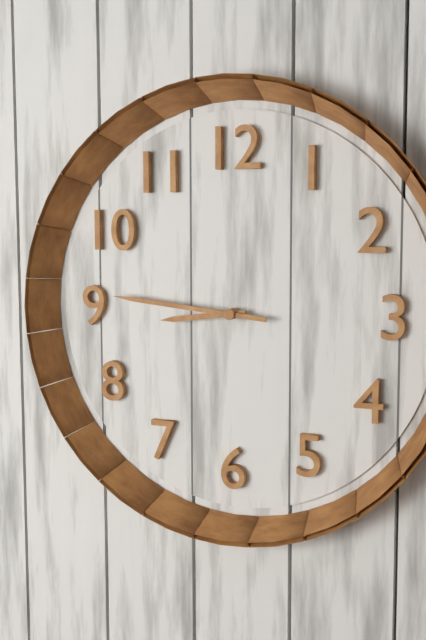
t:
8:46
